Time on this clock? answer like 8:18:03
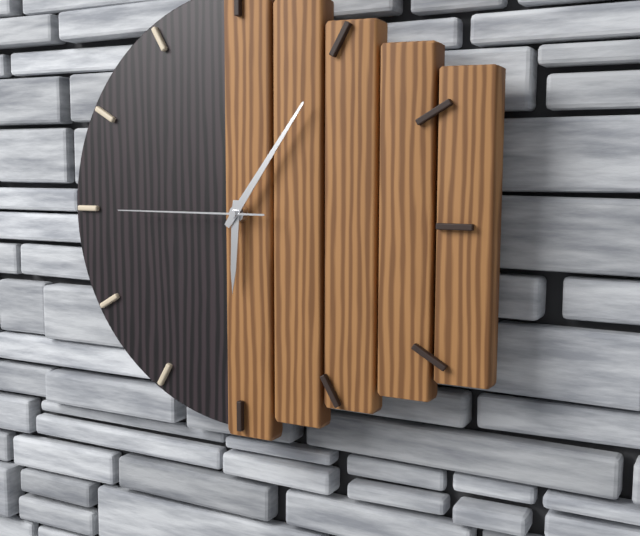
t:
6:06:45
